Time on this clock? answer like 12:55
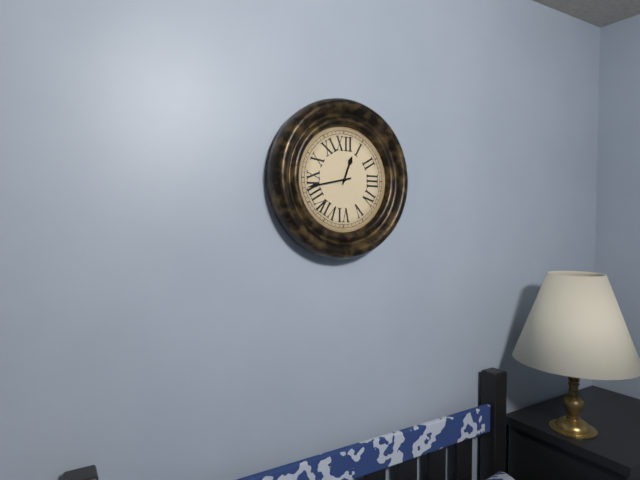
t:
12:43
